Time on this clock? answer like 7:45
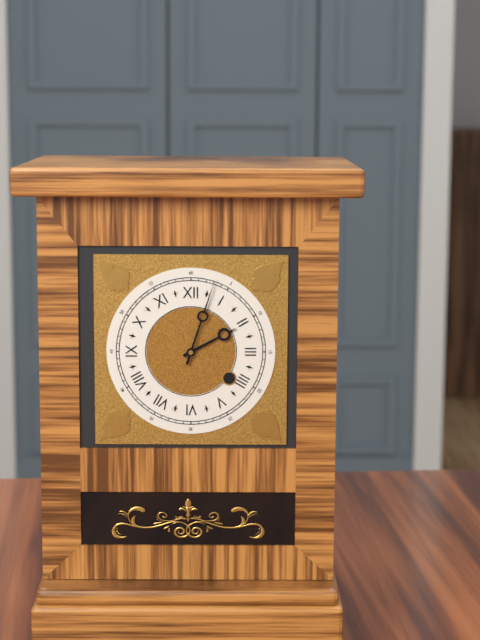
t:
2:03
